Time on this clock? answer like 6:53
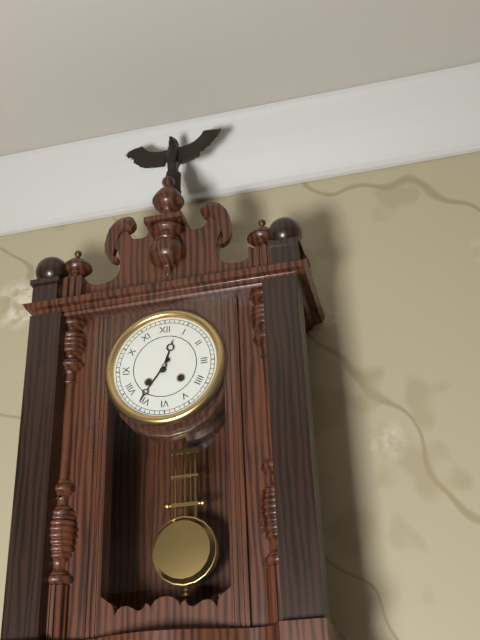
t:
12:36
